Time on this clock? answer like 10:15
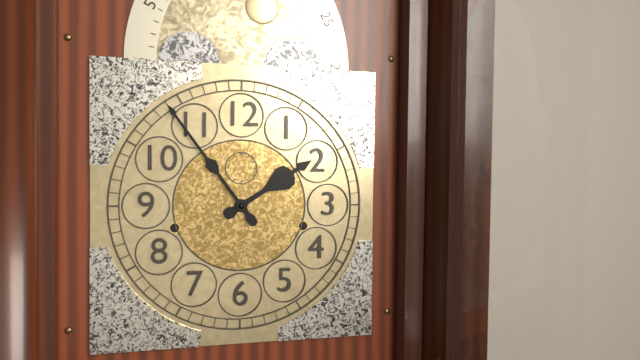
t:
1:54
